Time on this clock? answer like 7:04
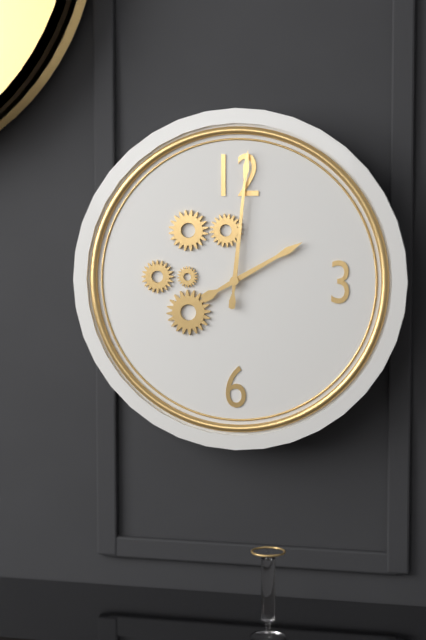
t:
2:01
